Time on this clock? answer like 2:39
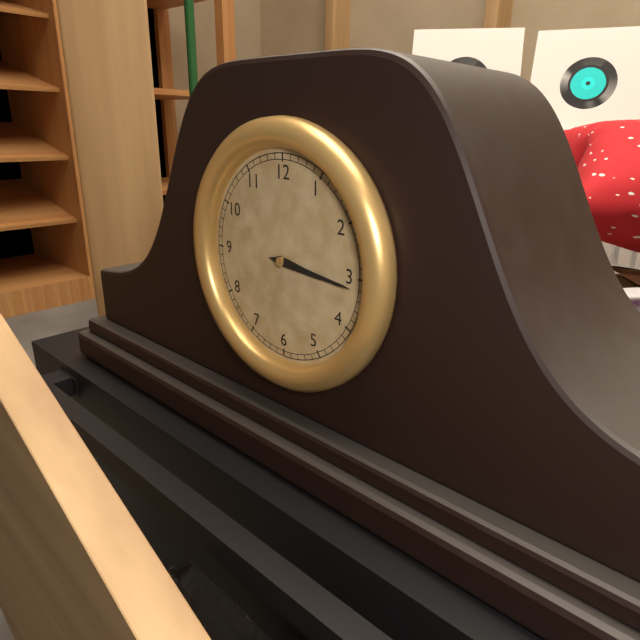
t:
3:16
